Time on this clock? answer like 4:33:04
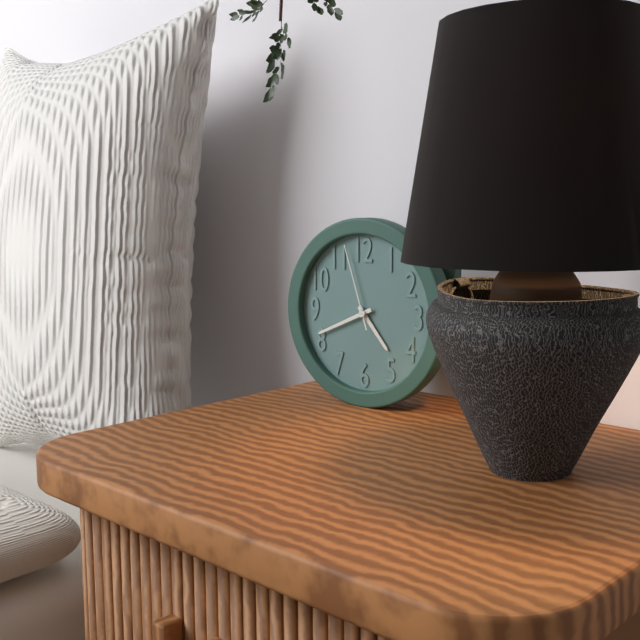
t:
4:41:57
